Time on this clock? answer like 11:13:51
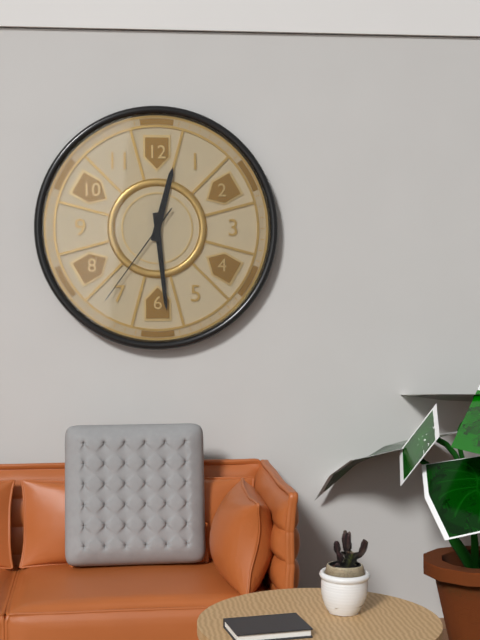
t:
12:29:36
